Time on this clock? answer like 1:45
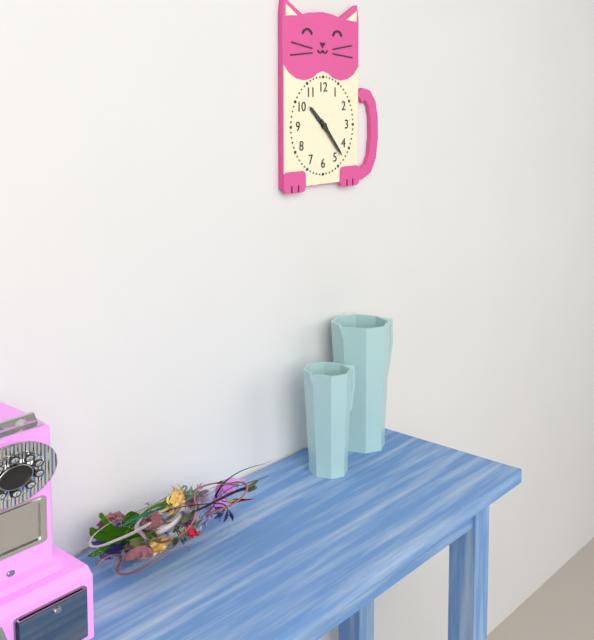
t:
10:23
